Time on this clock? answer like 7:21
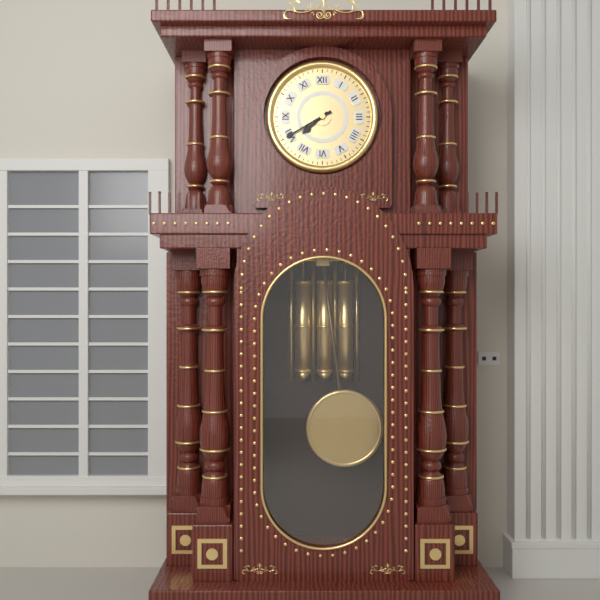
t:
7:40
